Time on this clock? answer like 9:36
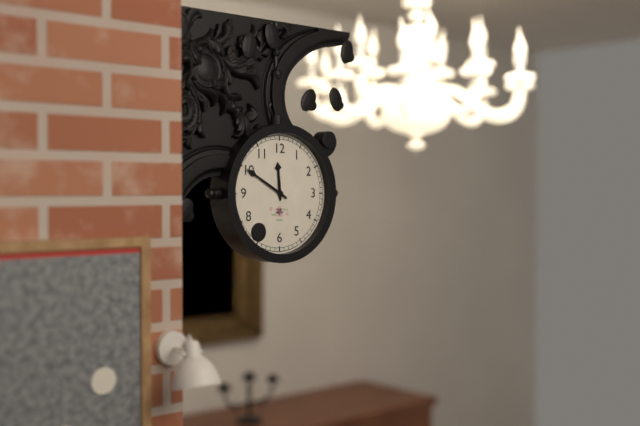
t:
11:50
